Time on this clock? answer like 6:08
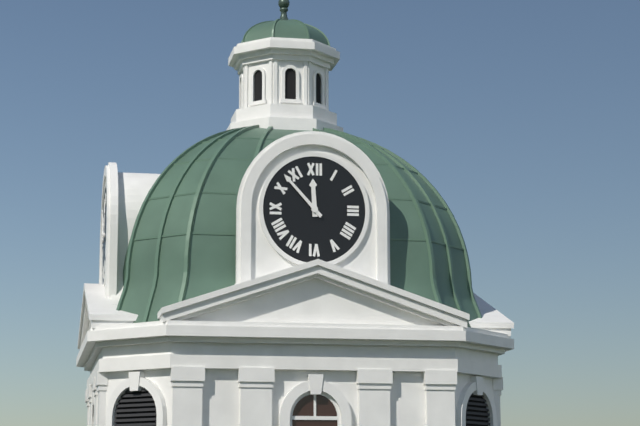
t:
11:53
